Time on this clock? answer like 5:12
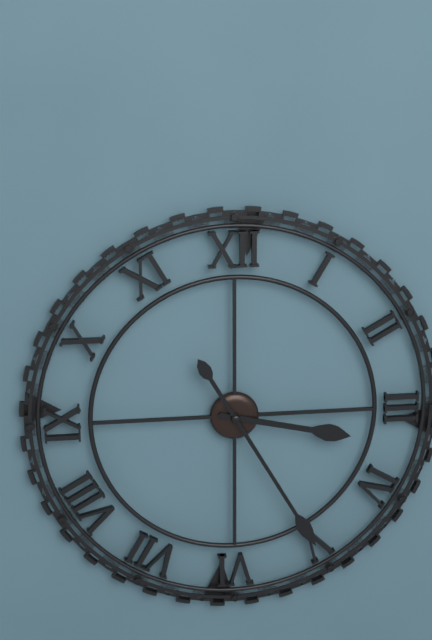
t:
3:25
